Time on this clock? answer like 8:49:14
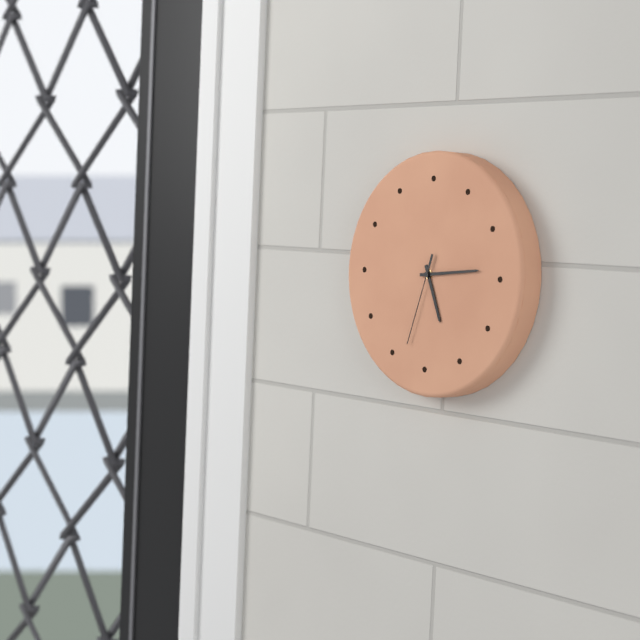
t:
5:14:33
